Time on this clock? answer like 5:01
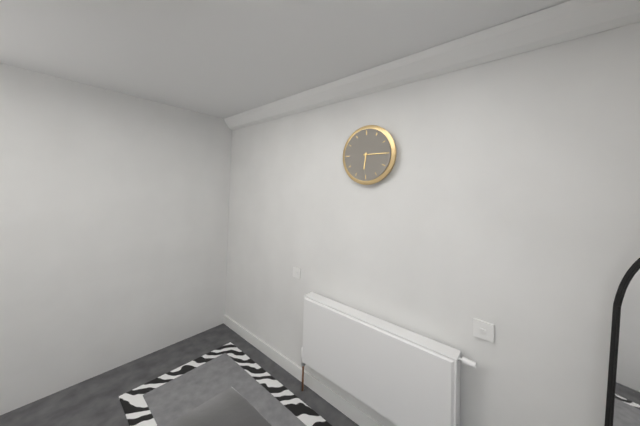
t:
6:15
